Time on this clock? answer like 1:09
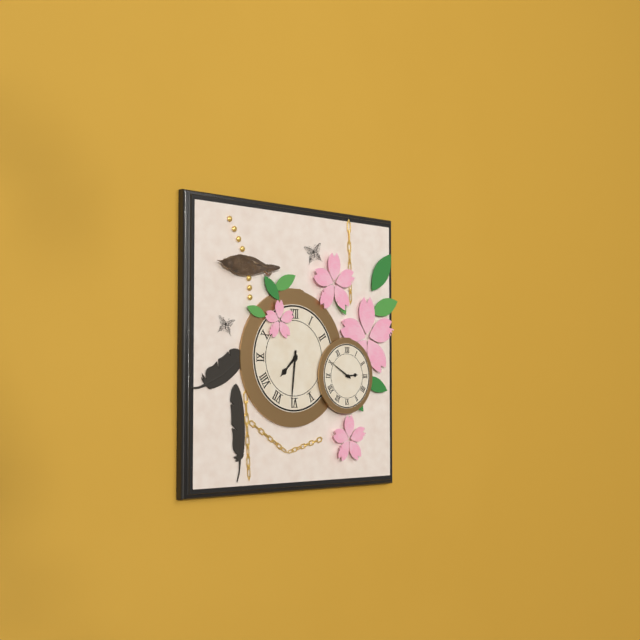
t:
7:31
